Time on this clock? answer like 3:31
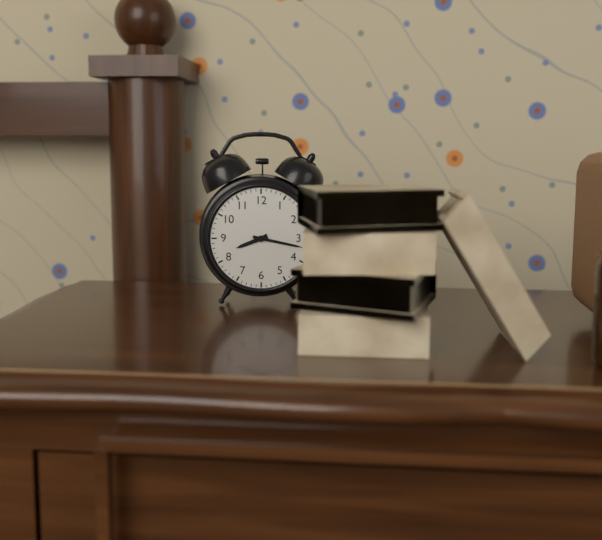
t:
8:17
